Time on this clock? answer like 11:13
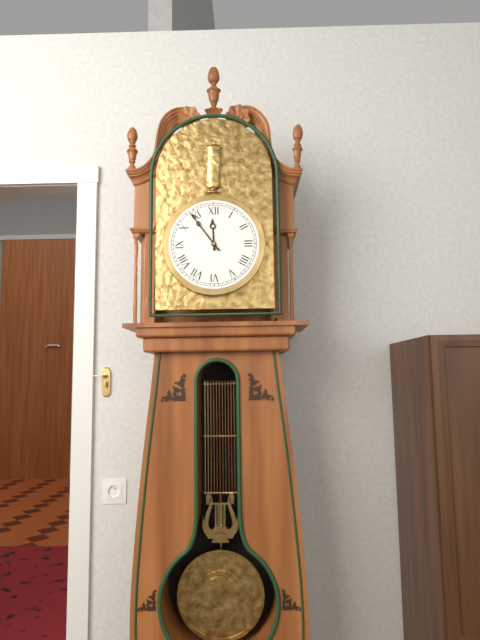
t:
11:54
